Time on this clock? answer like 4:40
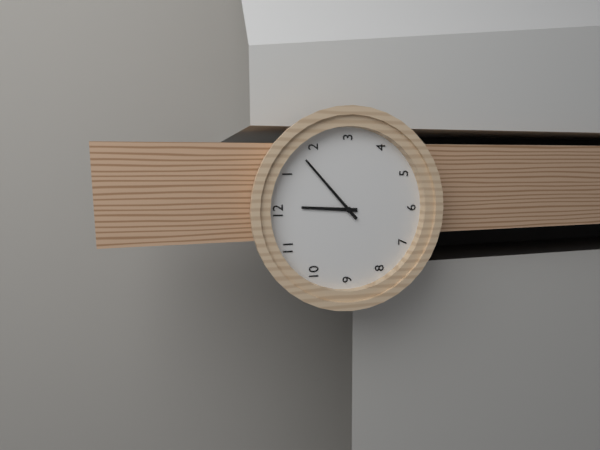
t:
12:08
